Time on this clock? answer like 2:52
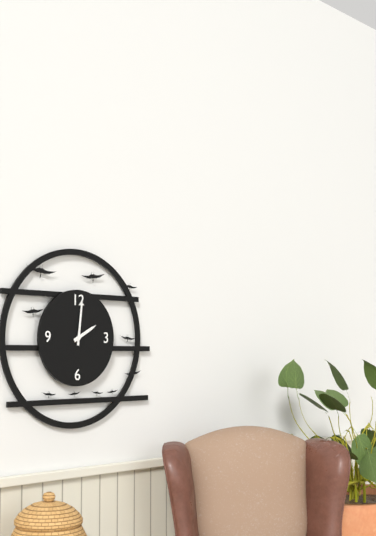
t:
2:01
